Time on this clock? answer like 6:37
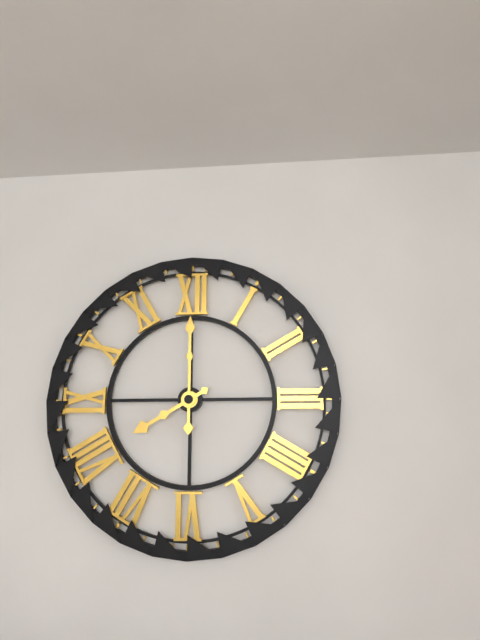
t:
8:00
